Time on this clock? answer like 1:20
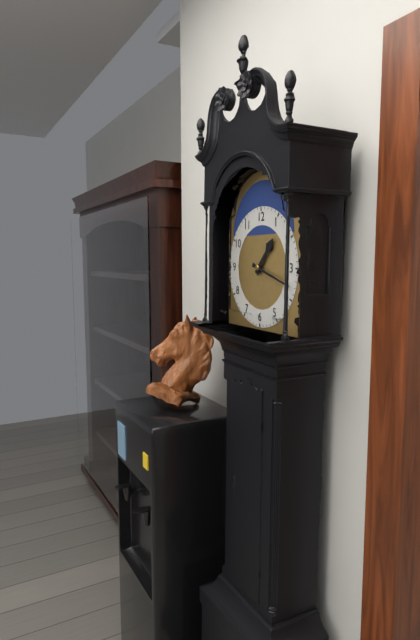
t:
1:18
